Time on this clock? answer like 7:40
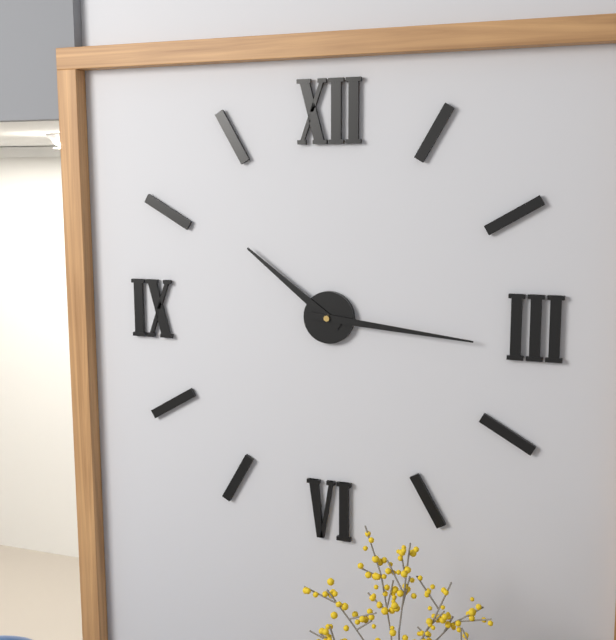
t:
10:16
